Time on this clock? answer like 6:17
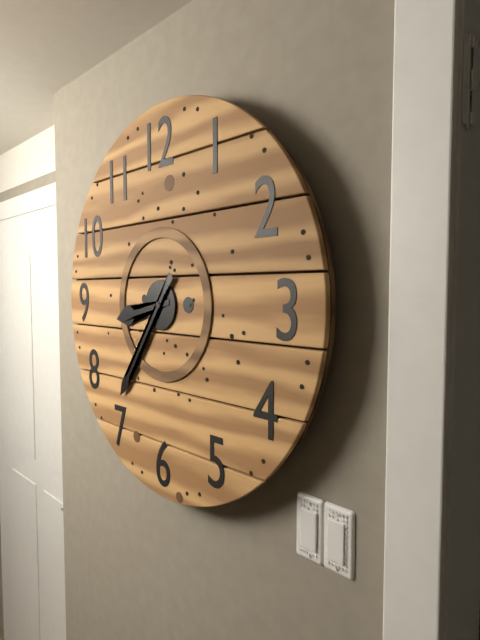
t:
8:36
